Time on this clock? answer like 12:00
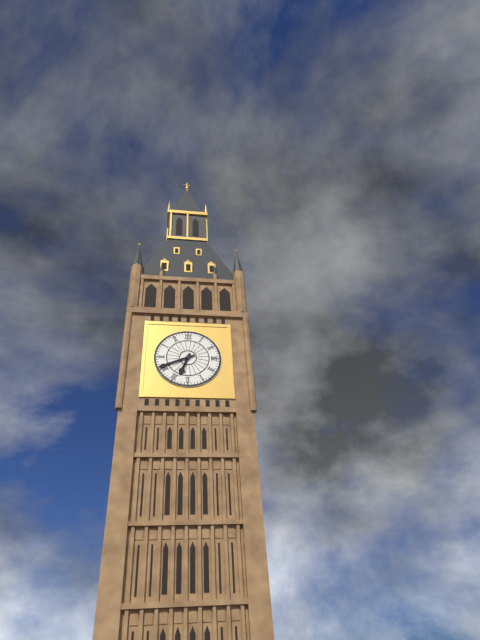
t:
6:41
